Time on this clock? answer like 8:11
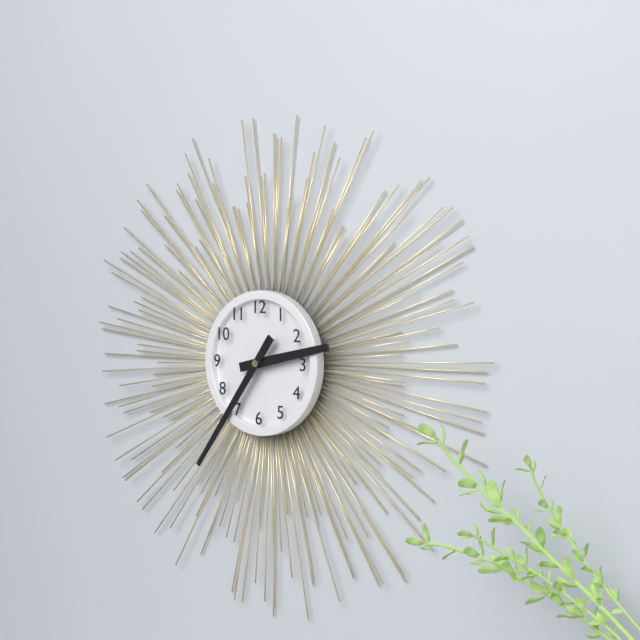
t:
2:36
